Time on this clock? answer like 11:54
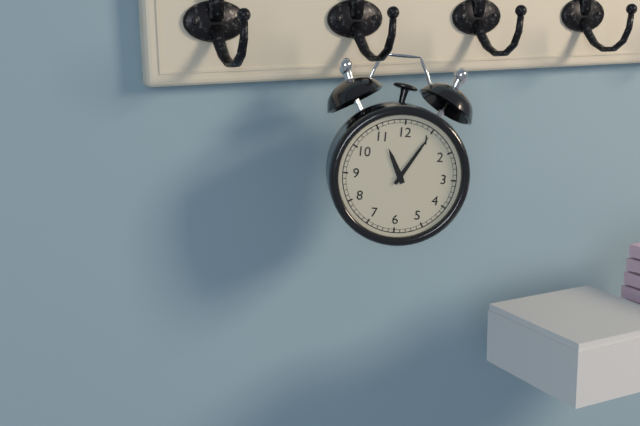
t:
11:05
